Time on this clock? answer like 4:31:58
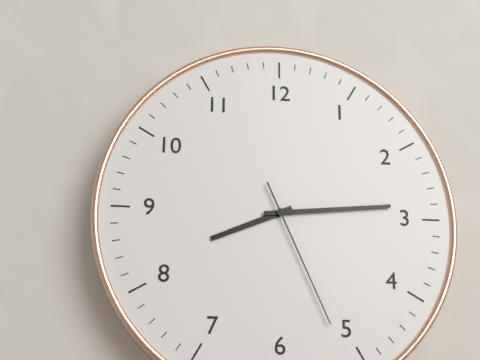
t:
8:14:26
